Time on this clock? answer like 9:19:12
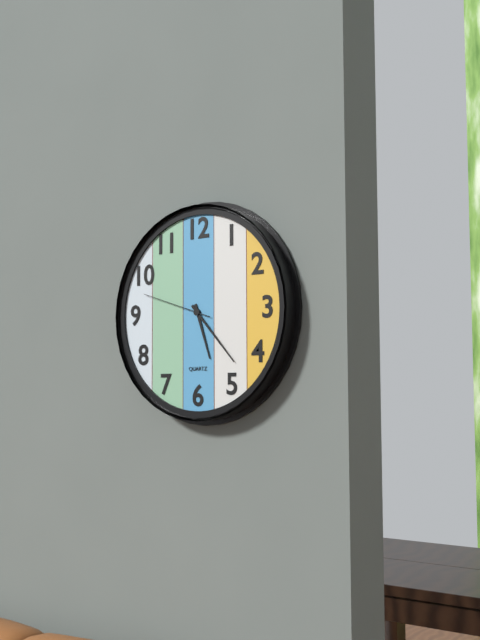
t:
5:23:48
